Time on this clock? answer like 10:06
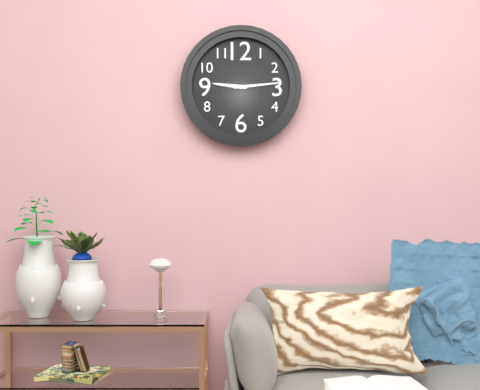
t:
9:14
